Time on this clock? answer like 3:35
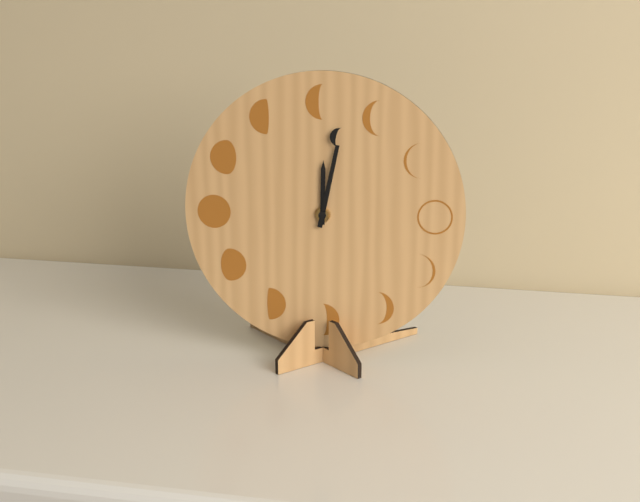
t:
12:02
